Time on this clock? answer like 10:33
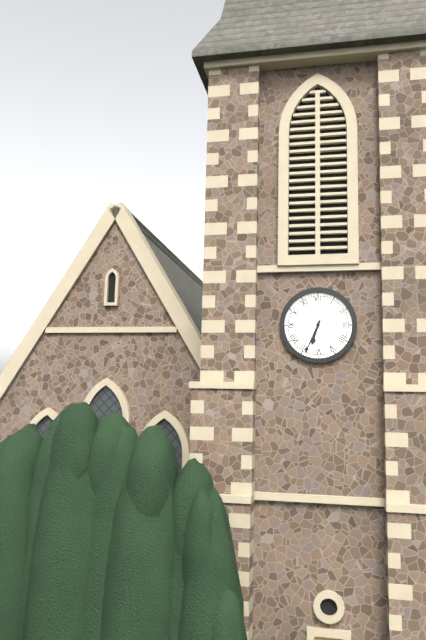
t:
6:34
